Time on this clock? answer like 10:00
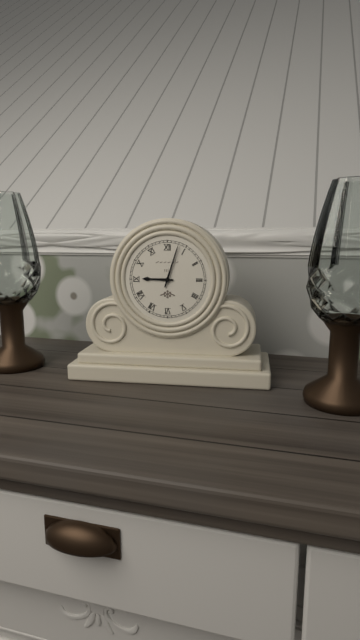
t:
9:03
